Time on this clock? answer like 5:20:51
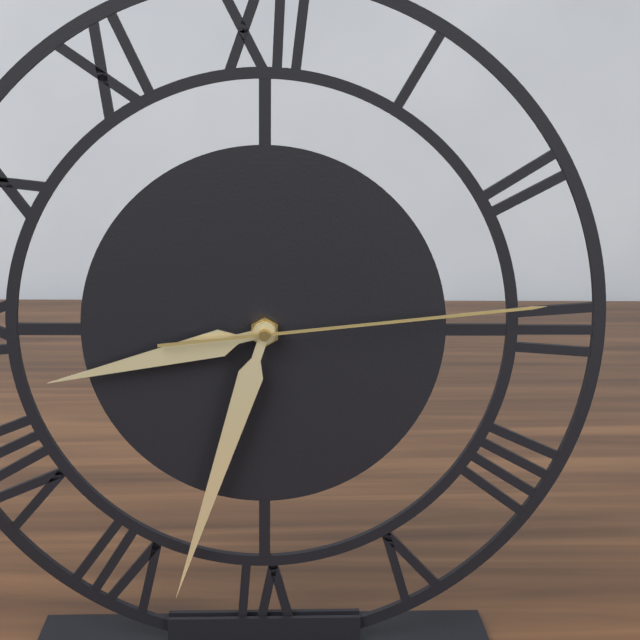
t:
8:33:14
